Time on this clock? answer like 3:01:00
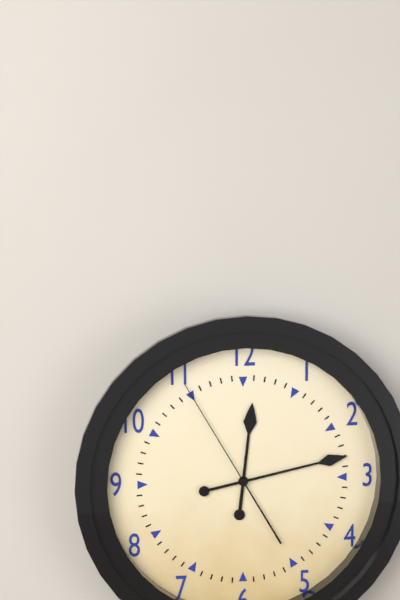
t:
12:13:55
